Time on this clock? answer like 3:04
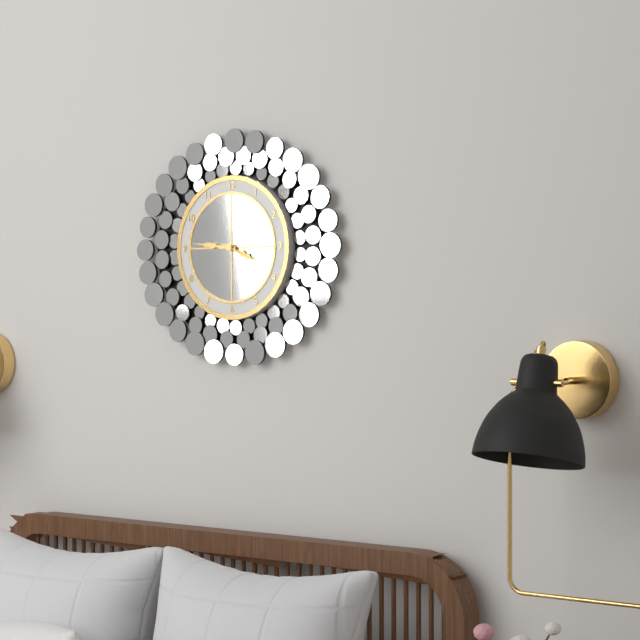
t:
3:46
